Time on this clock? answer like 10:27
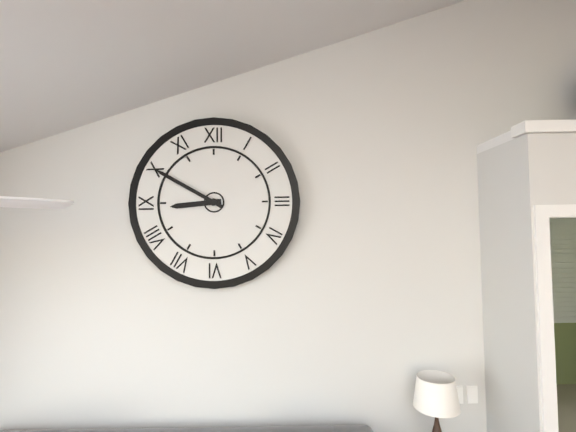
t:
8:50
